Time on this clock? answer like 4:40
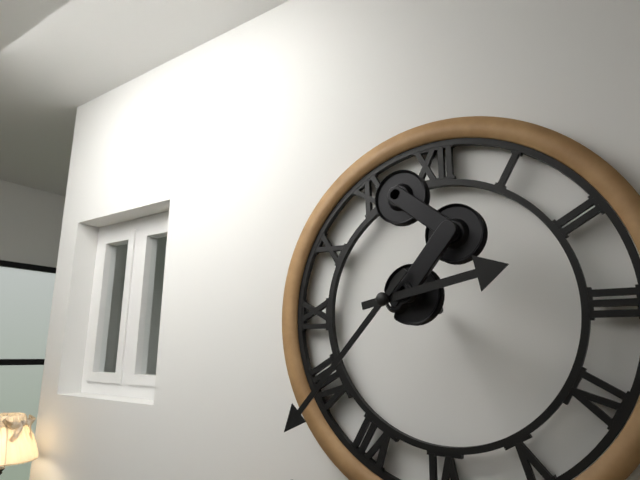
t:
2:37
